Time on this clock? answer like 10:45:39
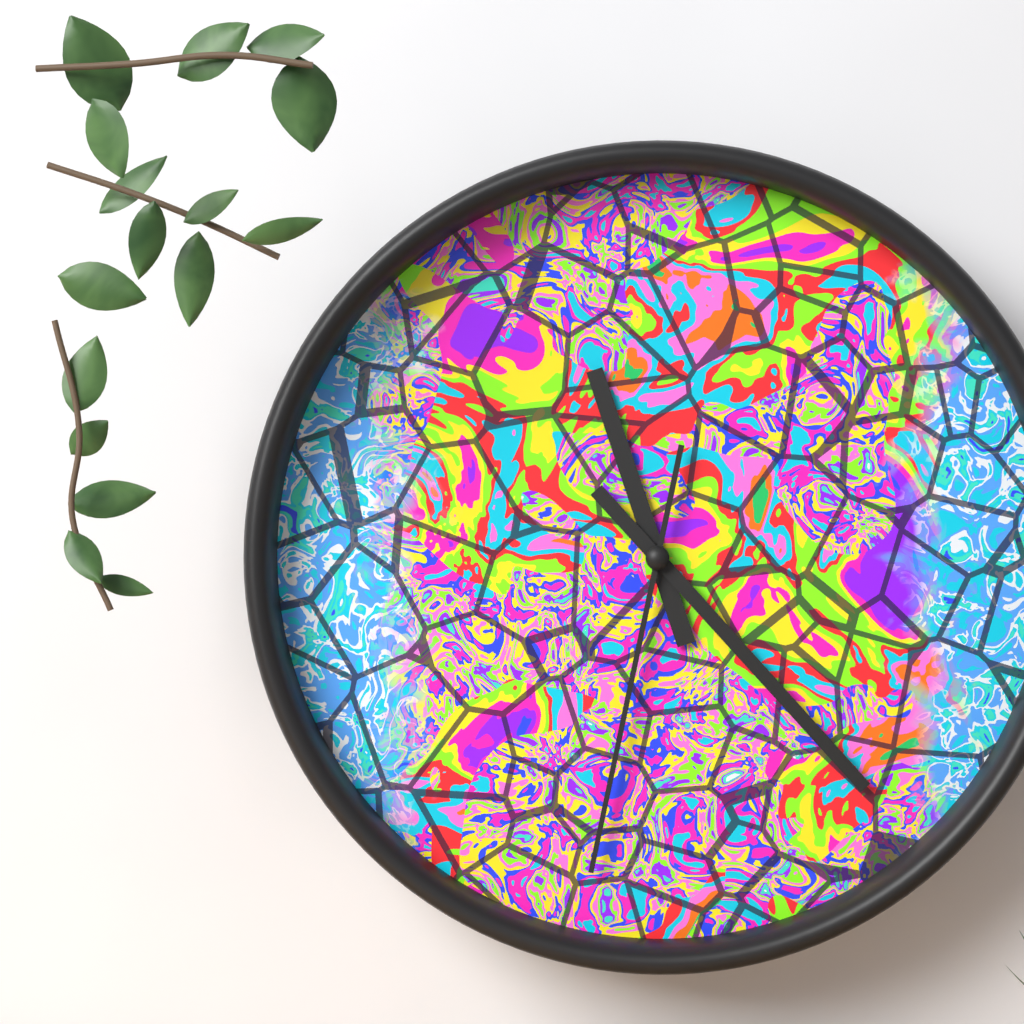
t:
11:23:32
